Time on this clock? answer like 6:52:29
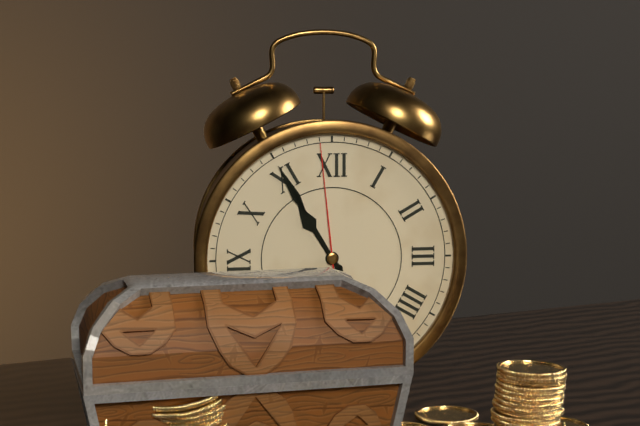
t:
10:55:59
